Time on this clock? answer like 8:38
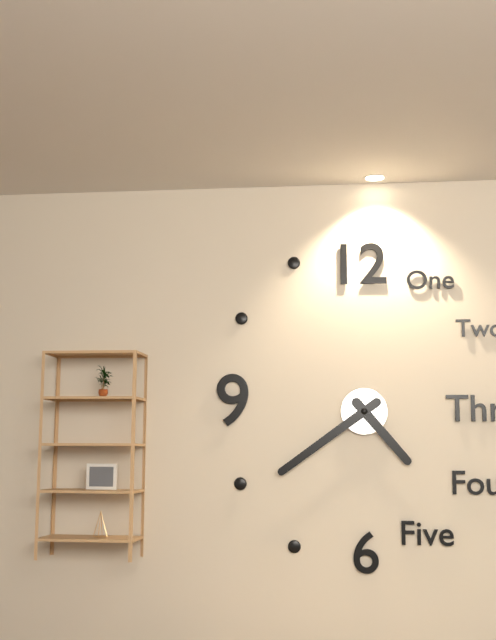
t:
4:39
